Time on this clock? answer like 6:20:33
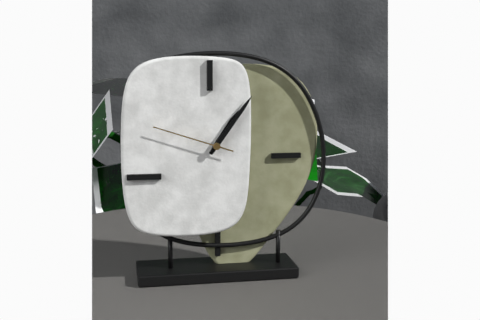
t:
1:06:48
